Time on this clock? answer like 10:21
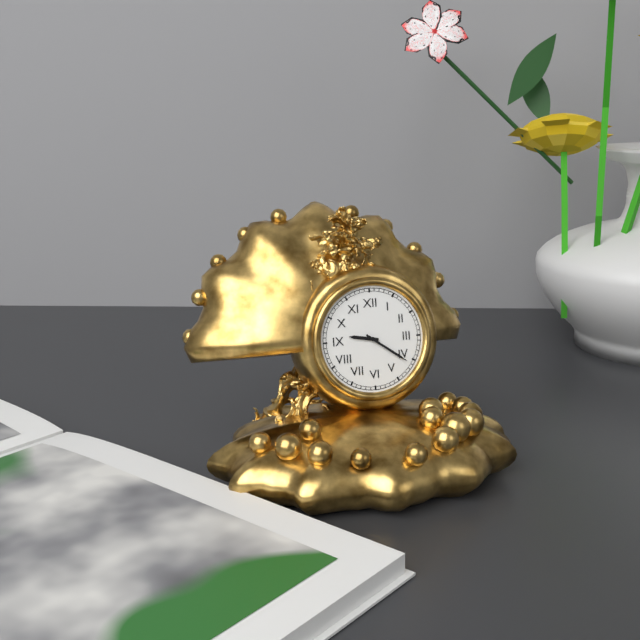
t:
9:21
